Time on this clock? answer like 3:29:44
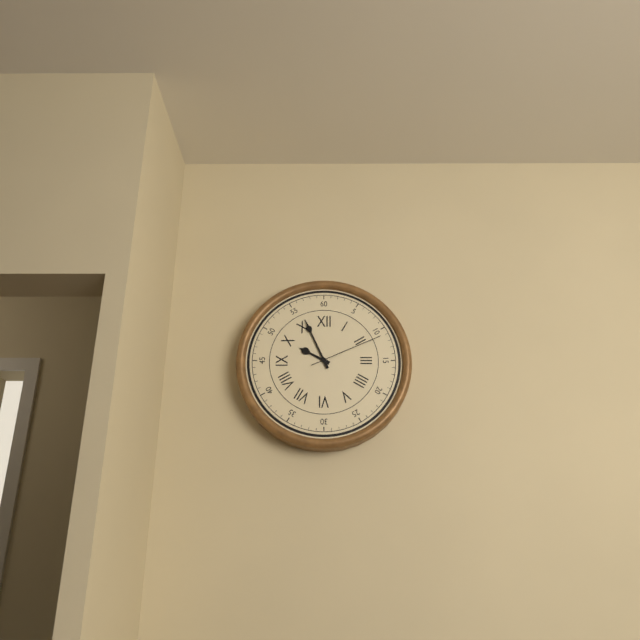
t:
9:56:11
